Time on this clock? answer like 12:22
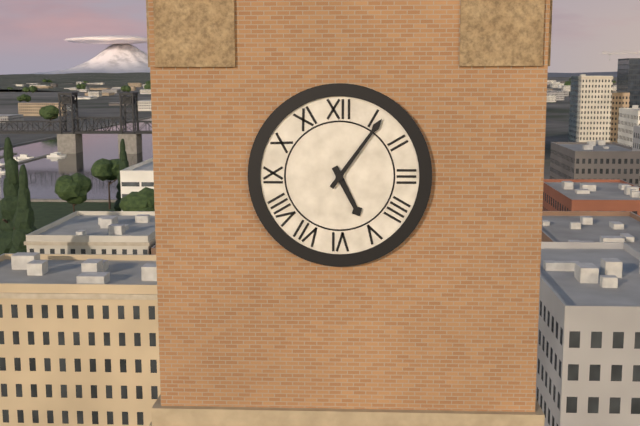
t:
5:06
